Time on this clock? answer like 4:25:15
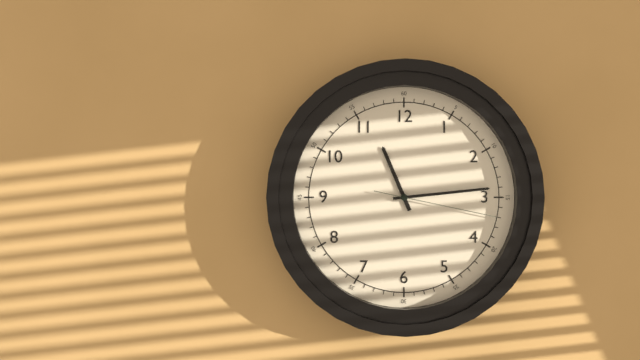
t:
11:14:17
